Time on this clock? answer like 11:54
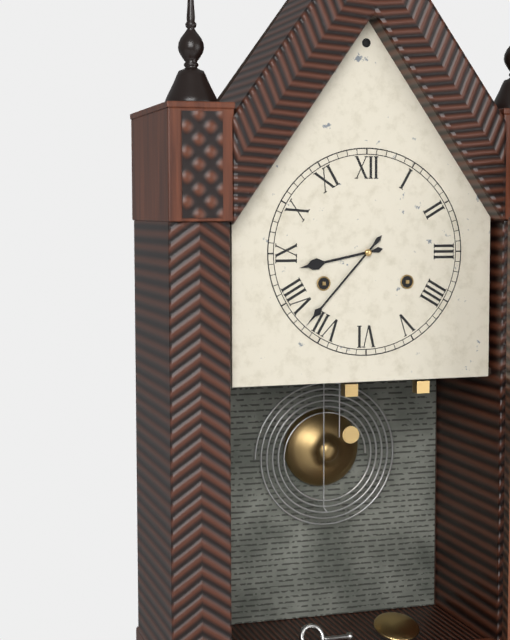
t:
8:37
